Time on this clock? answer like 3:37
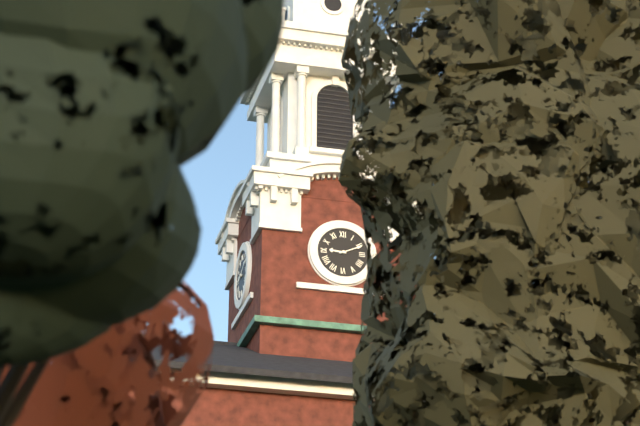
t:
9:11
